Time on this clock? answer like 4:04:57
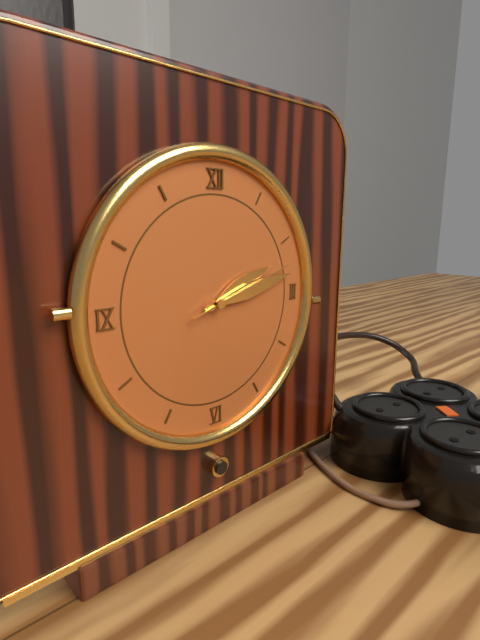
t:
2:13:12
